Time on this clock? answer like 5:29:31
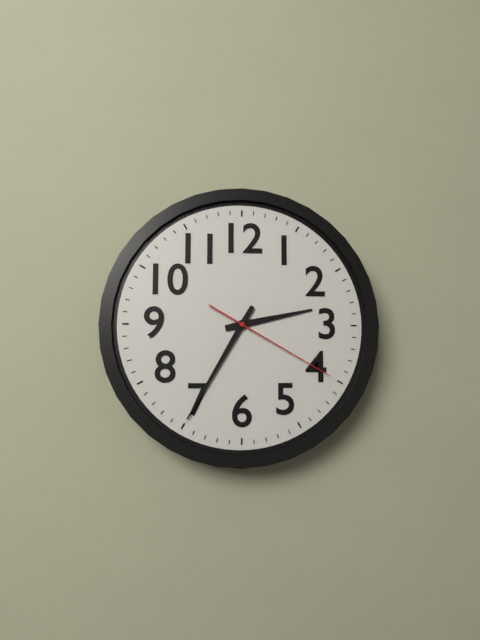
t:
2:35:20
